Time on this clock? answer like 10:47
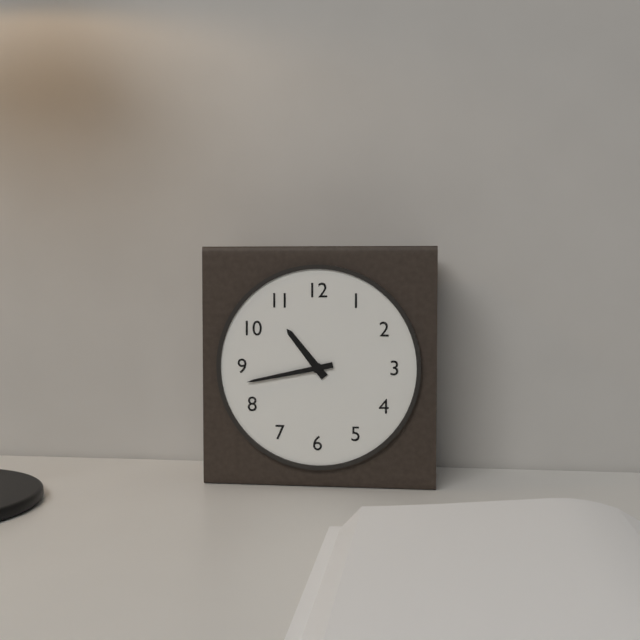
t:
10:43
